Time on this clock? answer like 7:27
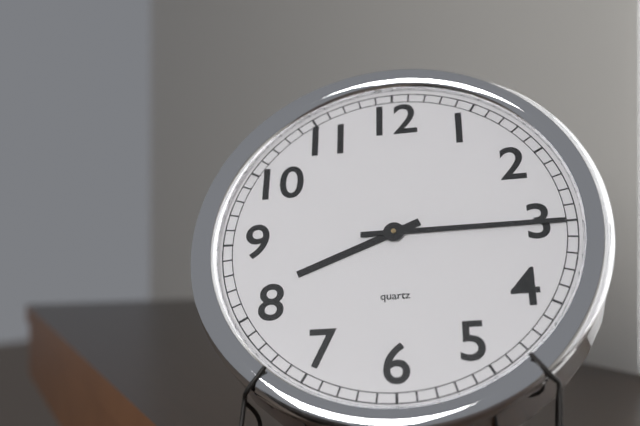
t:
8:15
